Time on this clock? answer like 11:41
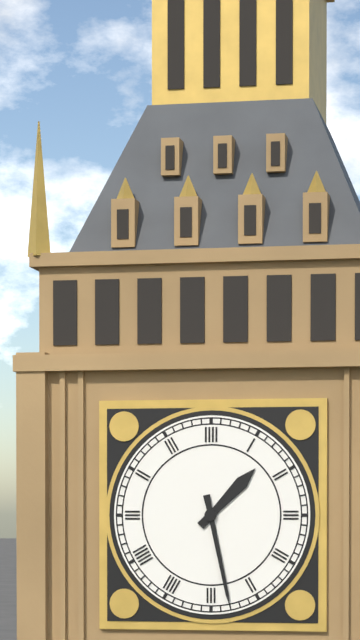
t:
1:28
